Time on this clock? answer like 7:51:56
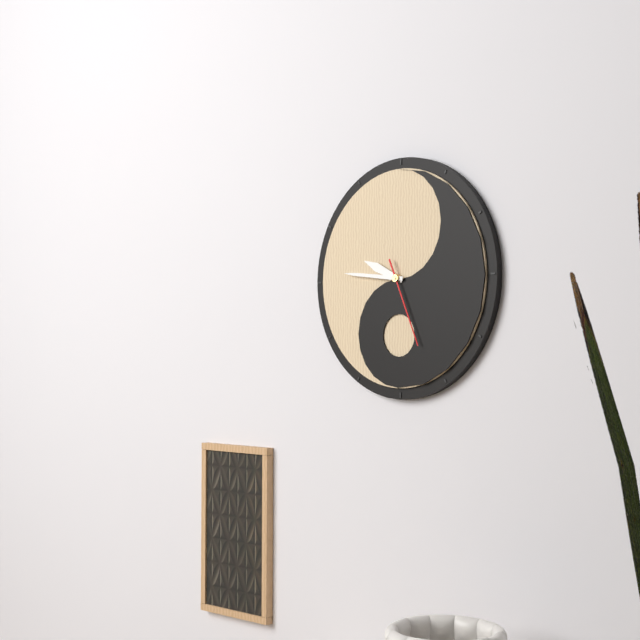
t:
9:46:26
